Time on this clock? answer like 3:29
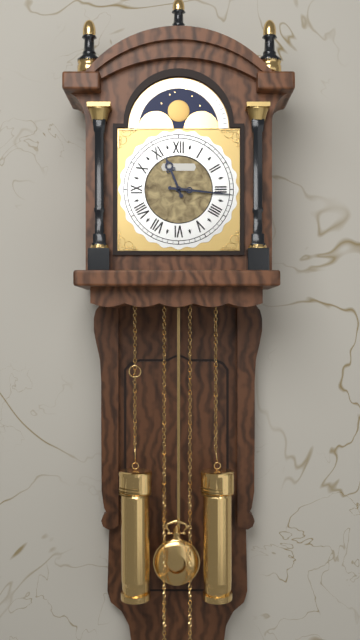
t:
11:16
